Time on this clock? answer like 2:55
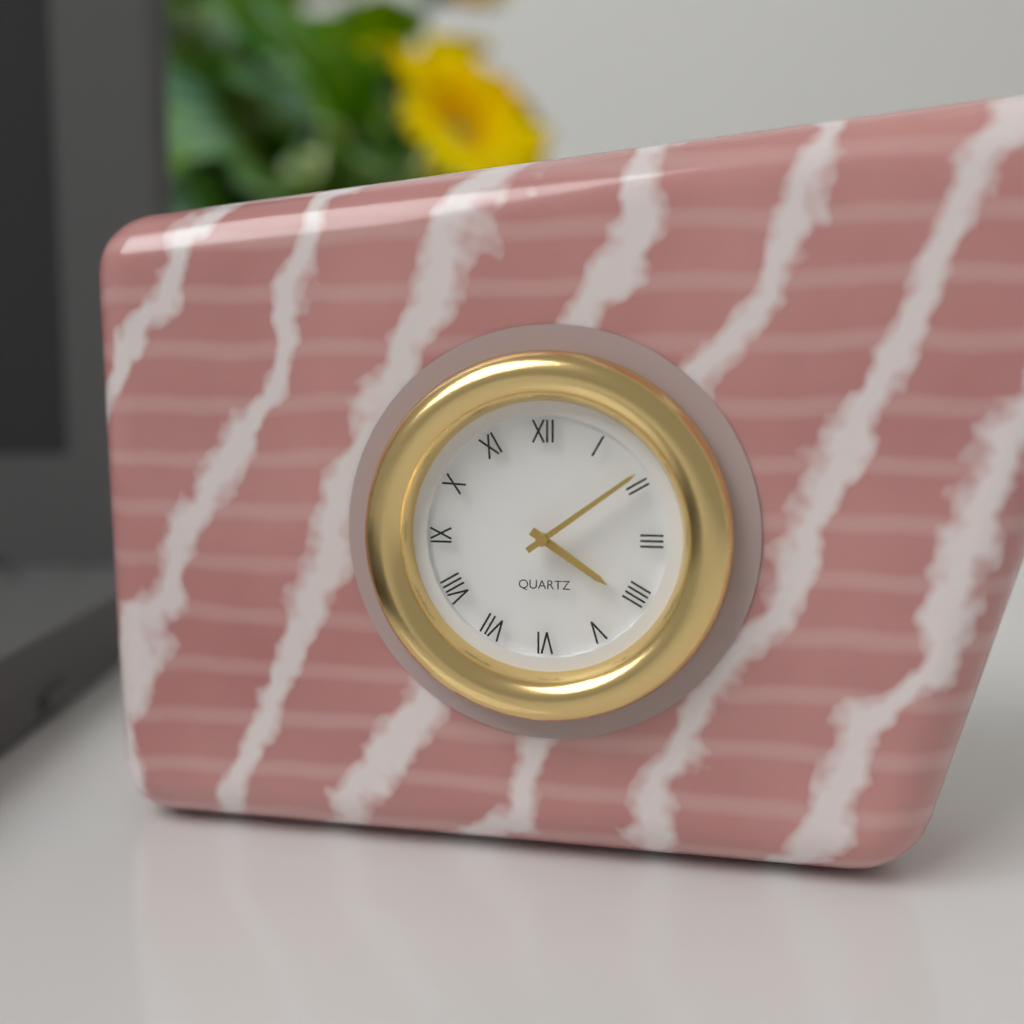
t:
4:09
